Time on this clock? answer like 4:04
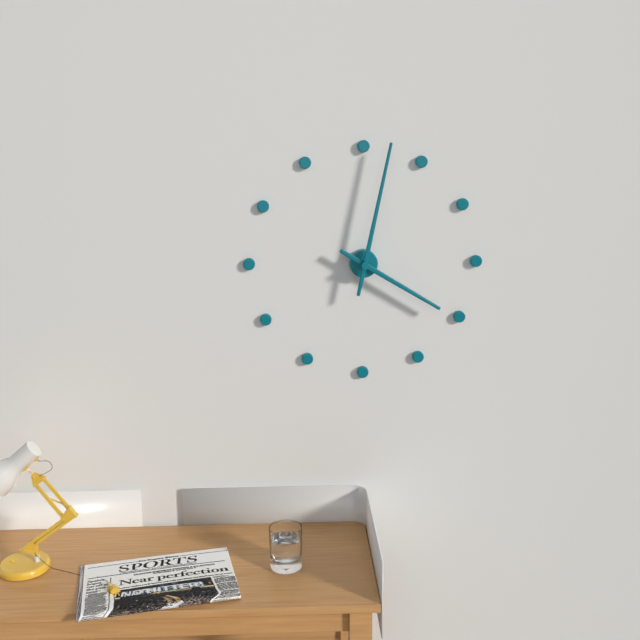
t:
4:02
